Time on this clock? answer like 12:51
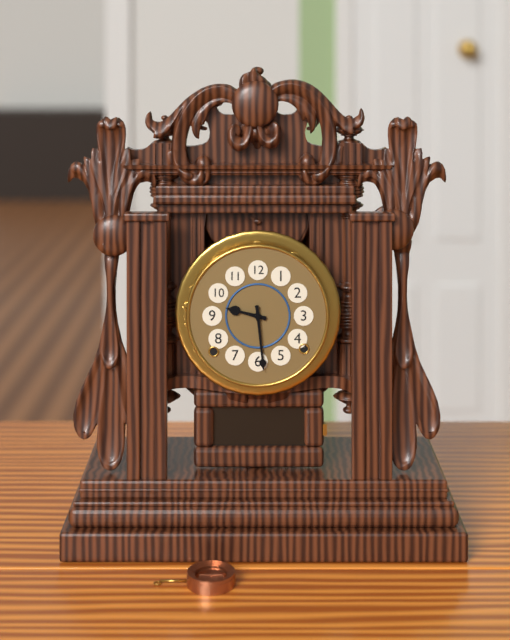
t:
9:29
